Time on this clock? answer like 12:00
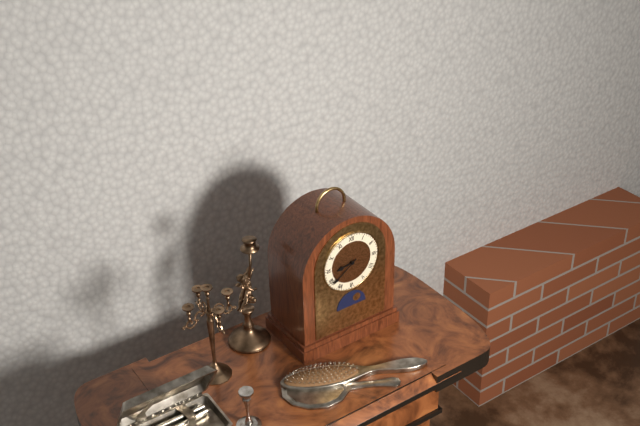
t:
8:39
